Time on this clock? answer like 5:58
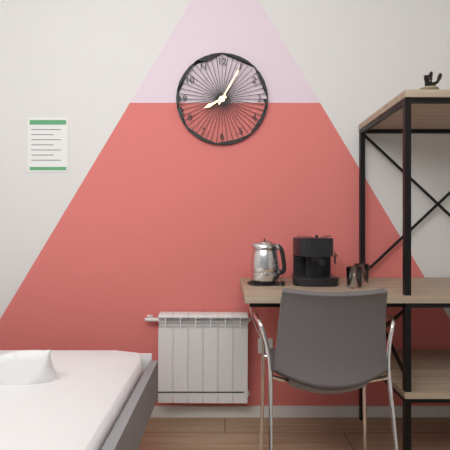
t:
8:05
